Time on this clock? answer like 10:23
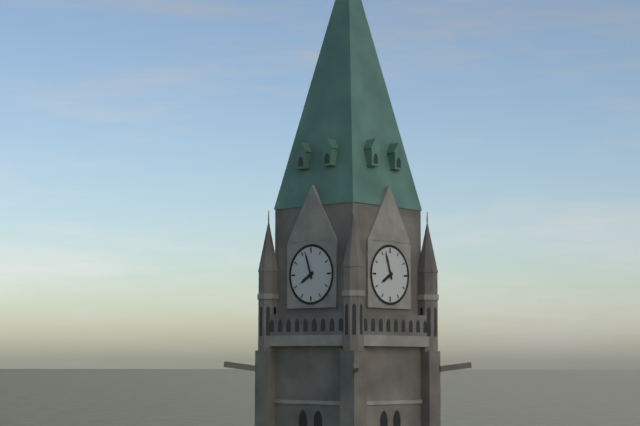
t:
7:57
